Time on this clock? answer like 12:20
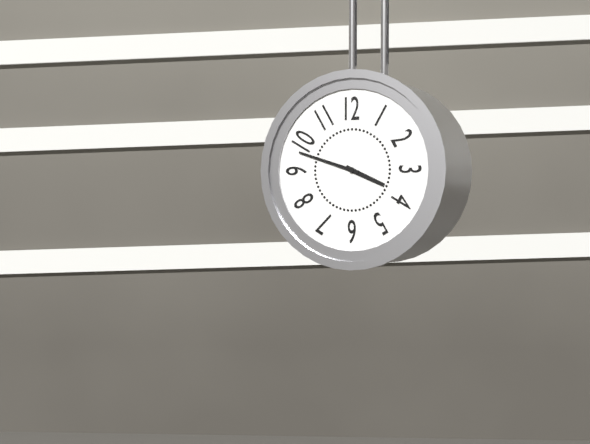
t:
3:48
